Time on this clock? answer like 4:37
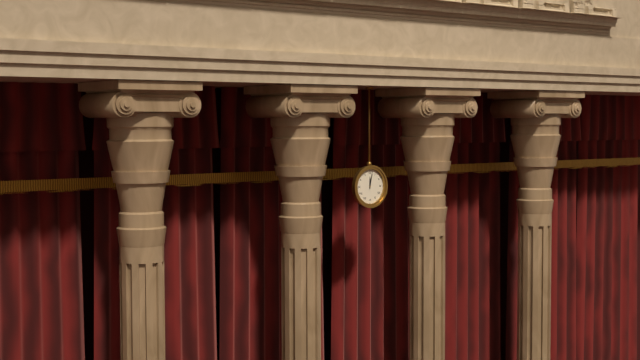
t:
12:02
